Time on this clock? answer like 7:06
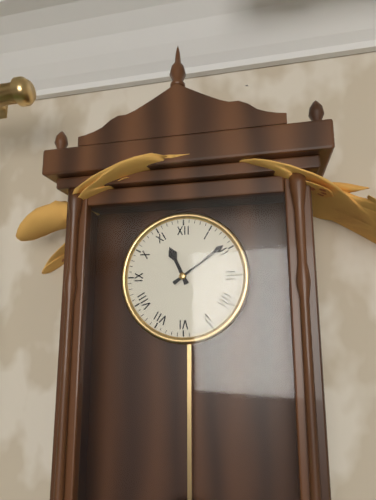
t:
11:09
